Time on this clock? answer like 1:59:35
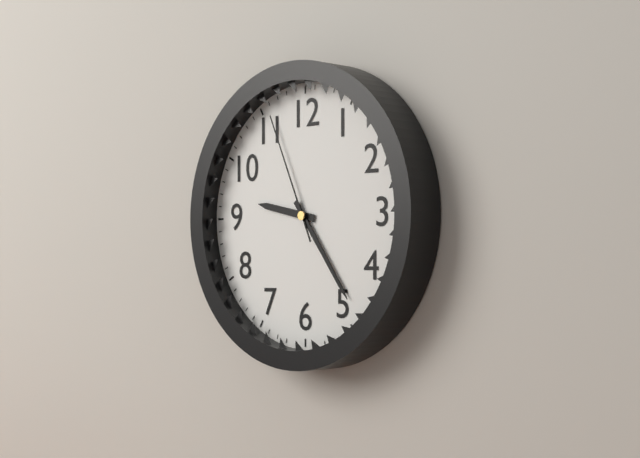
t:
9:24:56
